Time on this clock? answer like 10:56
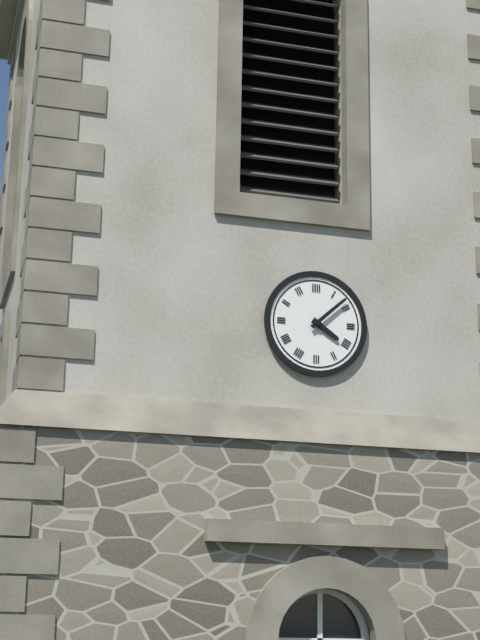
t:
4:08
